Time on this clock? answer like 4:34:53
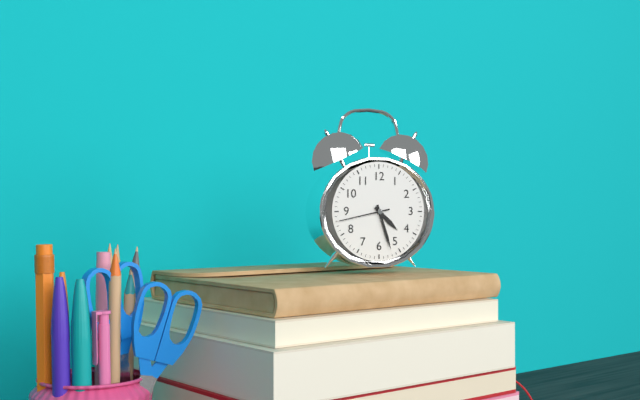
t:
4:27:43
